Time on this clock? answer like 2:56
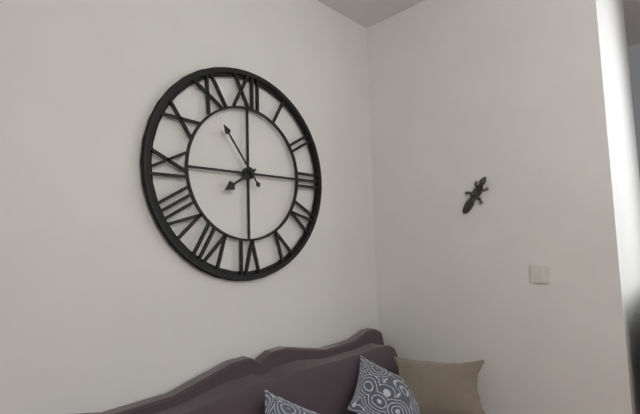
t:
7:54
